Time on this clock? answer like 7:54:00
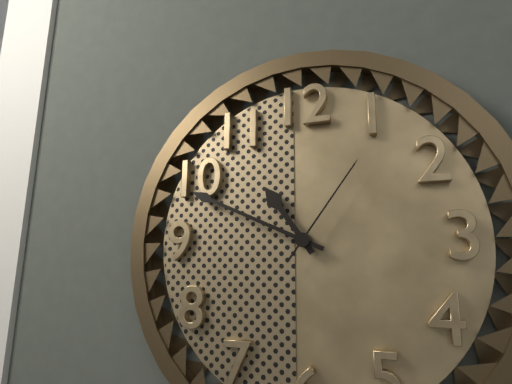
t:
10:49:06
